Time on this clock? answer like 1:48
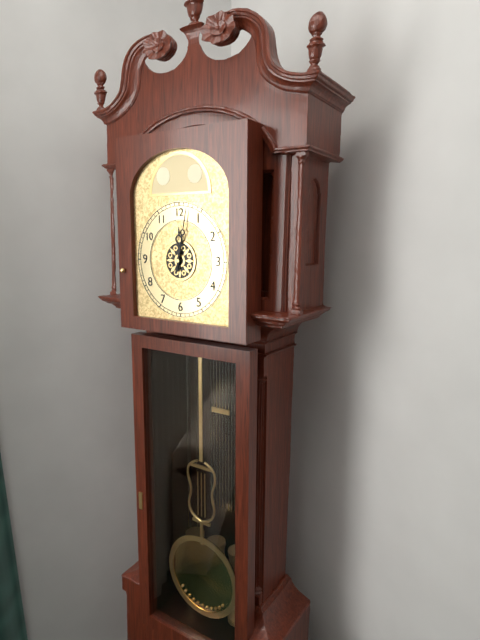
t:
12:02
